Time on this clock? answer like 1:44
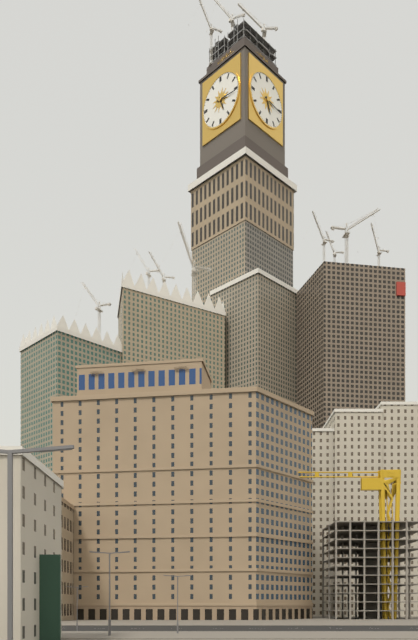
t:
5:16
